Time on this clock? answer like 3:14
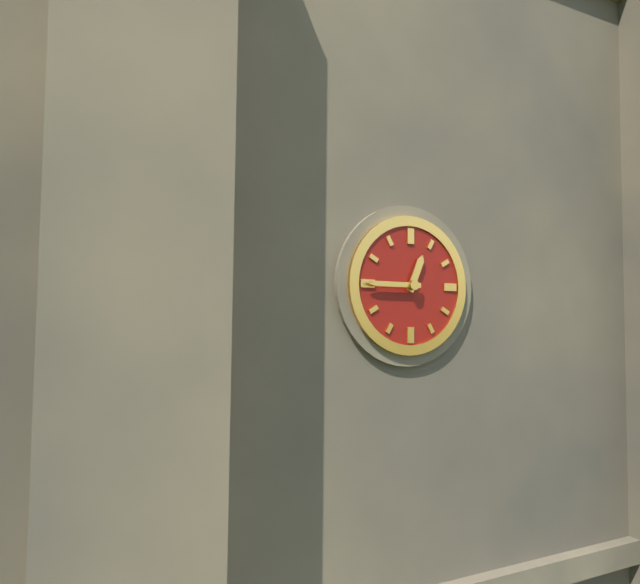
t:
12:45
